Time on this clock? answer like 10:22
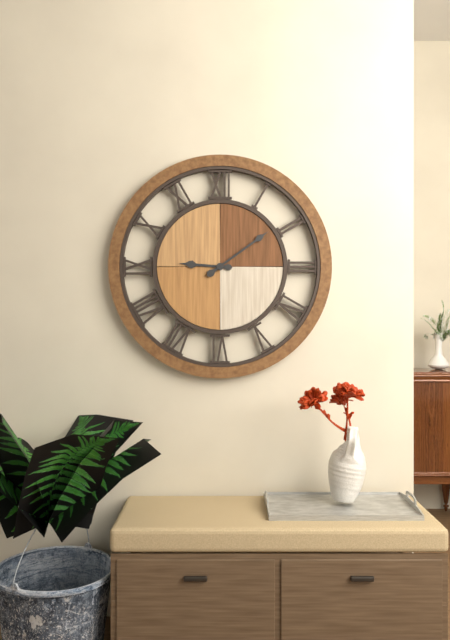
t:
9:09
